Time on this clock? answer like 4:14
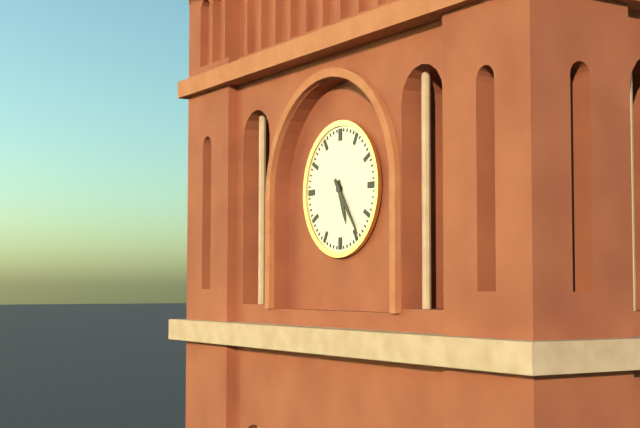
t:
5:24
